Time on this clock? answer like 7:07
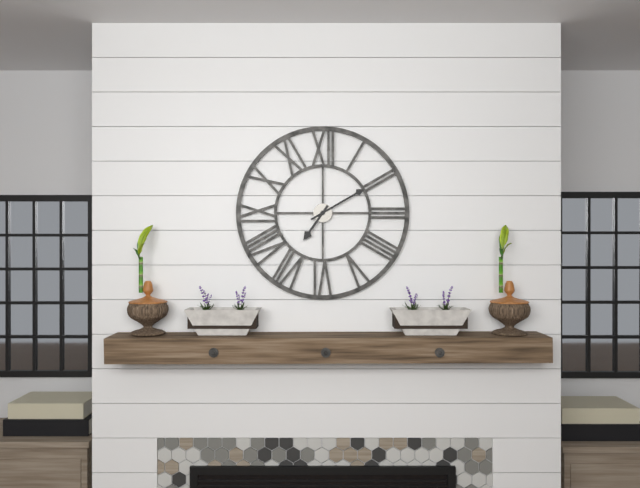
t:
7:10
